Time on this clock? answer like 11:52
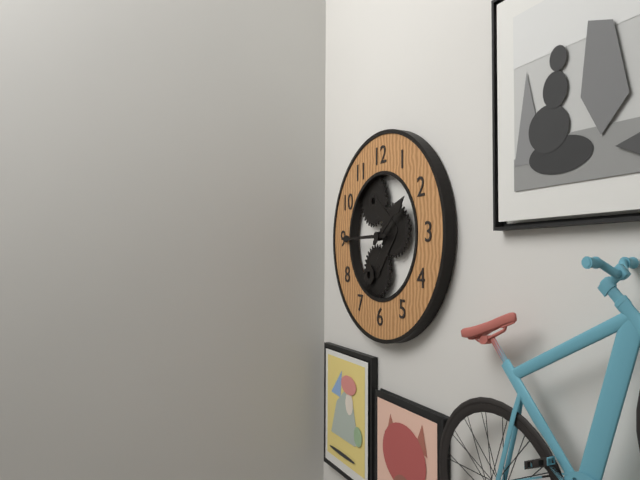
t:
1:45
